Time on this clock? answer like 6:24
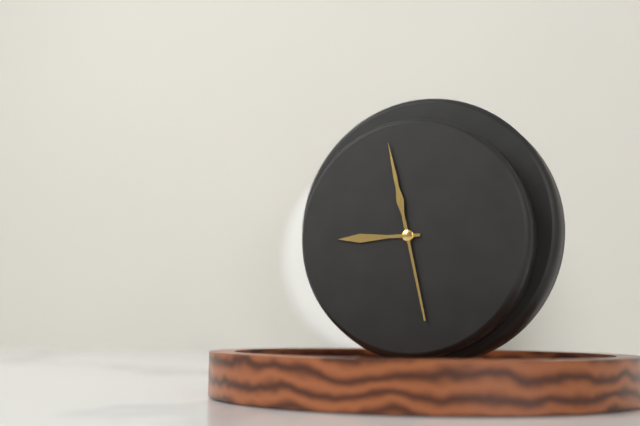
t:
8:58
